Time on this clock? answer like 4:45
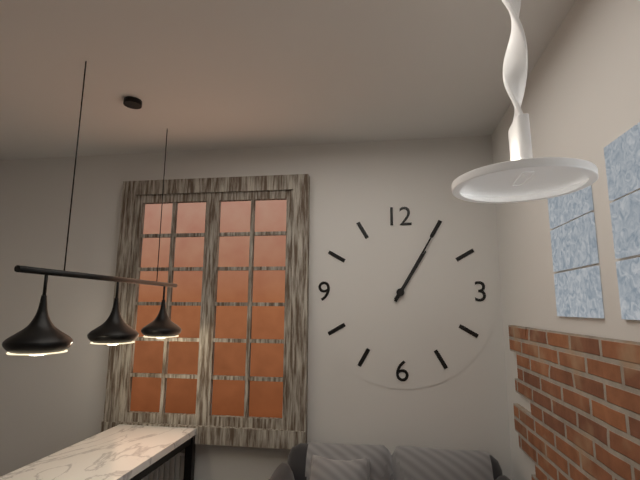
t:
1:05
